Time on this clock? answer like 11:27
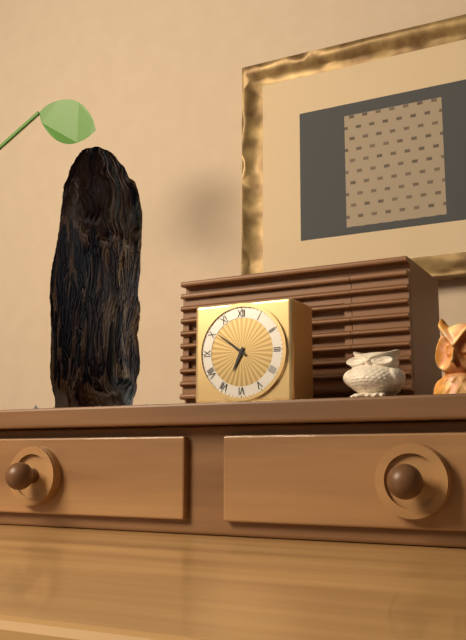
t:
6:51
